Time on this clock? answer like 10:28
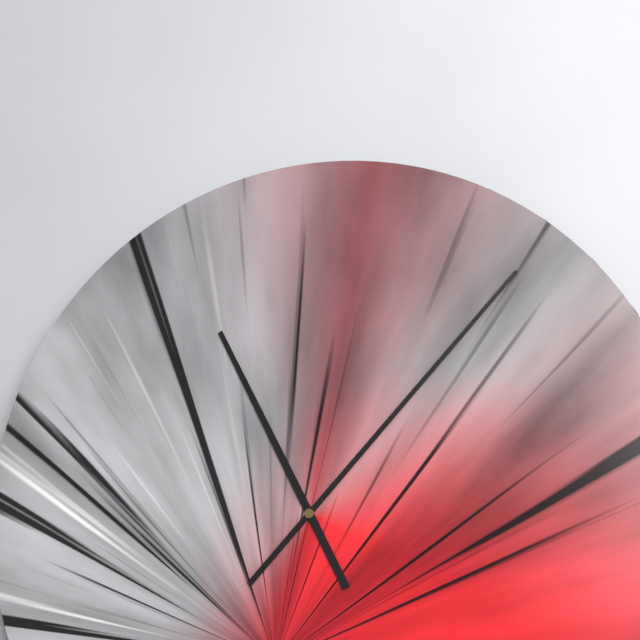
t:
11:07
